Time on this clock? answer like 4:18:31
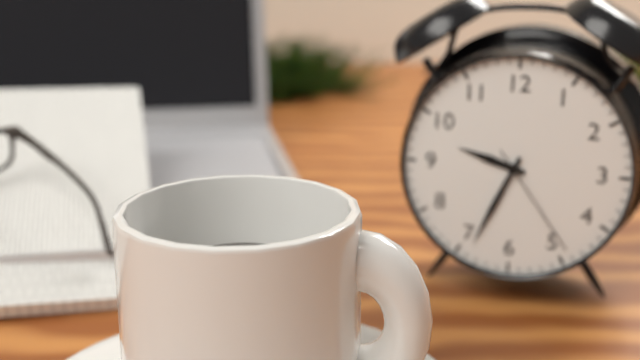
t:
9:34:24
